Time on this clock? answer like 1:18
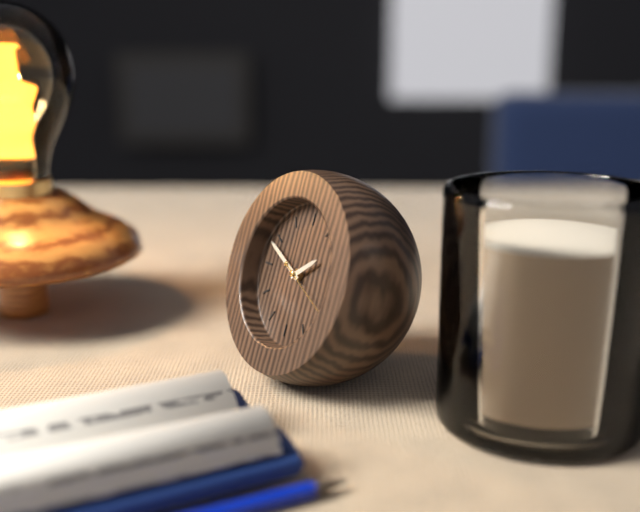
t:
1:49
